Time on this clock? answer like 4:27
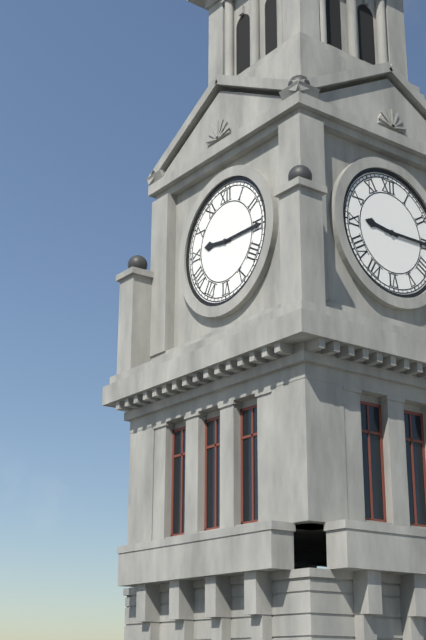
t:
9:15
